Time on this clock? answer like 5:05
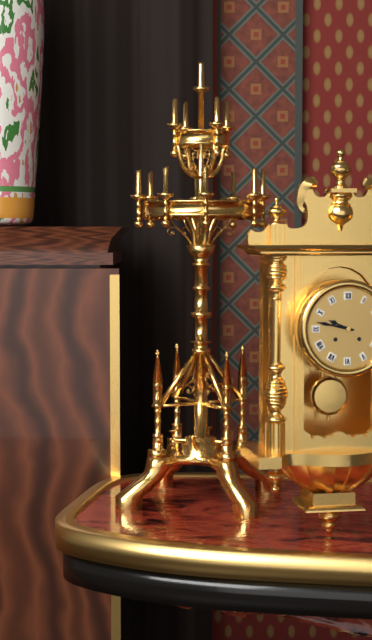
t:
9:47
